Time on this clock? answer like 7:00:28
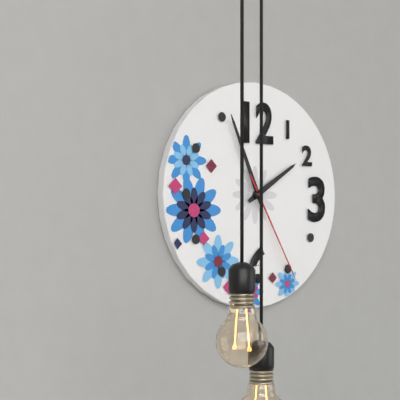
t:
1:56:25
